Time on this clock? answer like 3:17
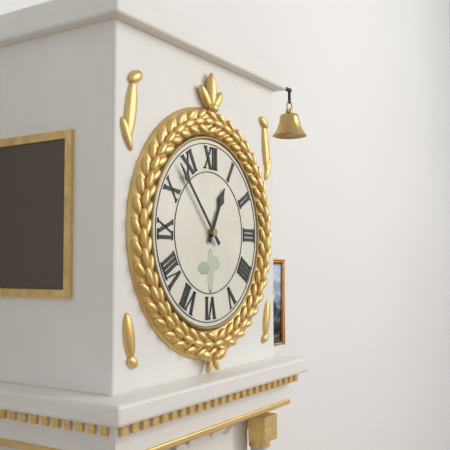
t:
12:53
